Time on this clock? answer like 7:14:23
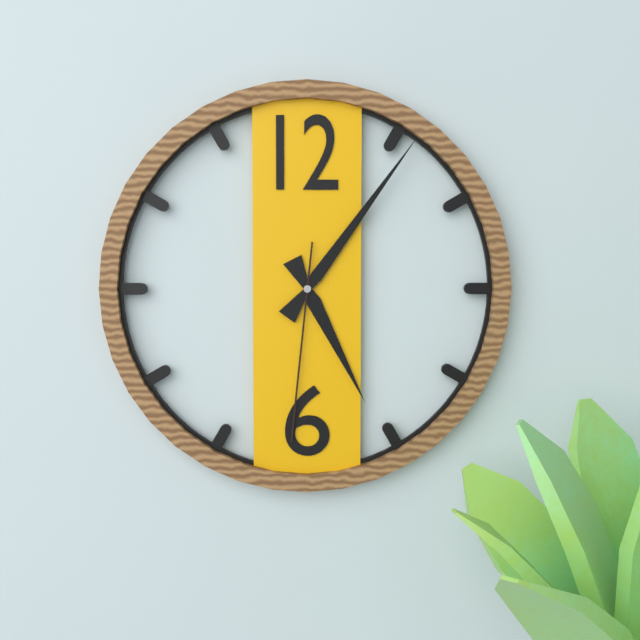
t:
5:06:31
